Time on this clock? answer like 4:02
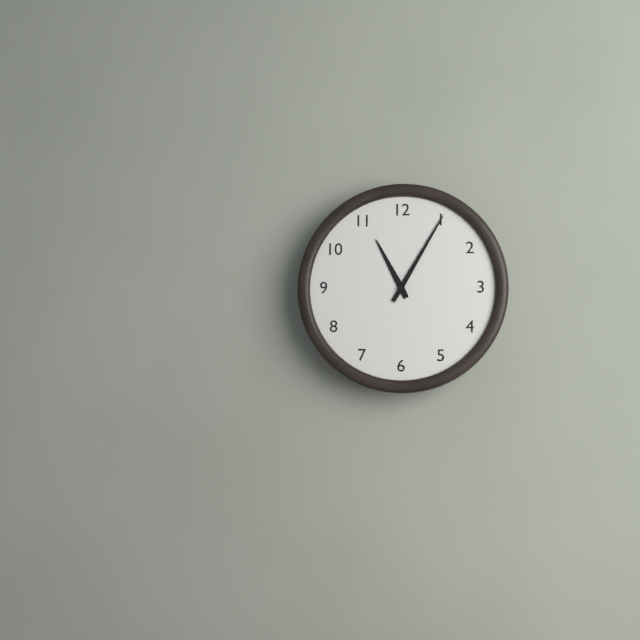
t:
11:05
